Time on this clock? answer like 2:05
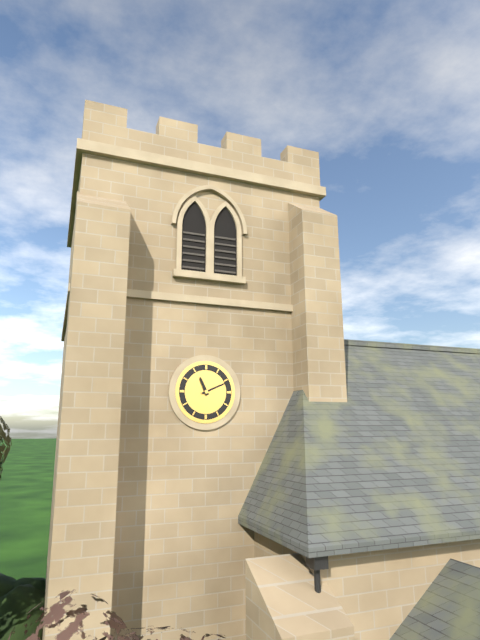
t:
11:11
